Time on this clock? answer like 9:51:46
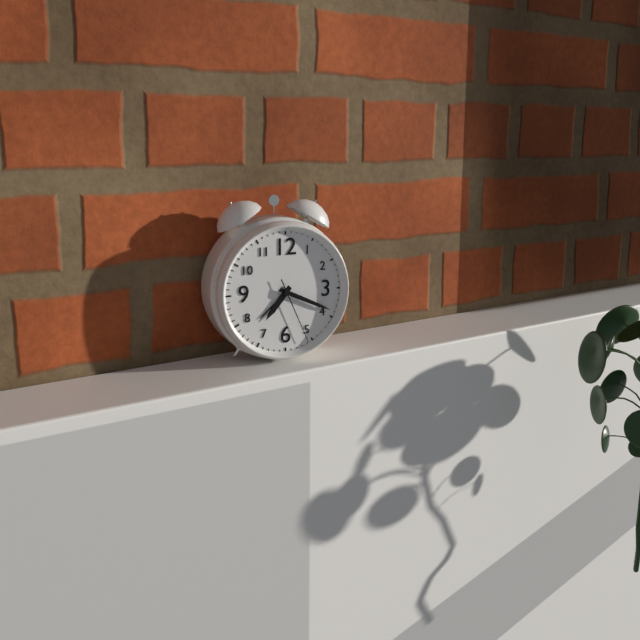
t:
7:19:26
